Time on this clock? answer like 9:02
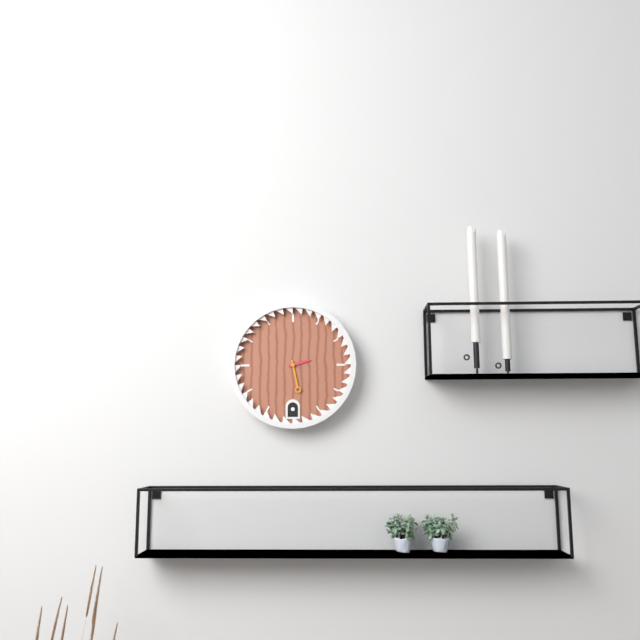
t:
2:28
